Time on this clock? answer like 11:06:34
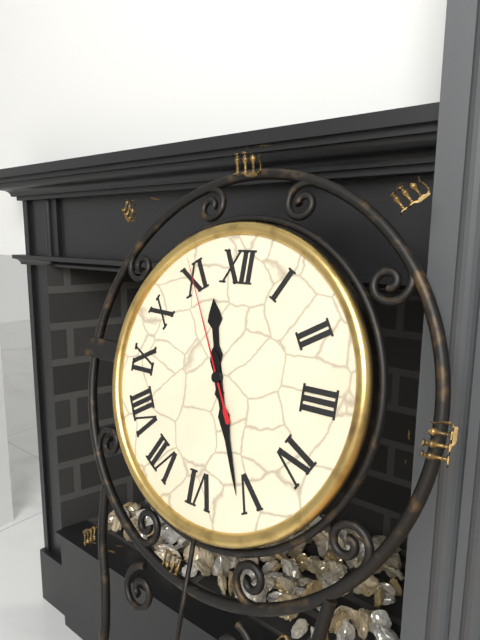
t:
11:26:55
